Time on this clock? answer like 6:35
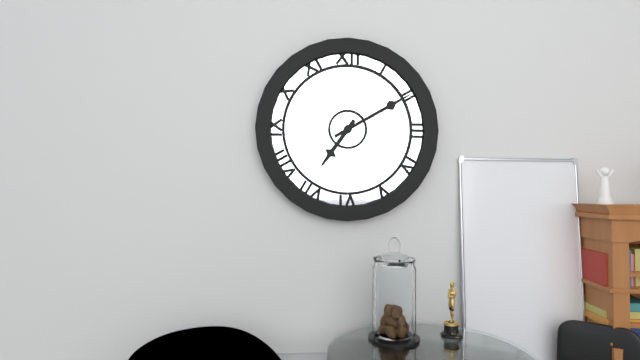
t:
7:10
